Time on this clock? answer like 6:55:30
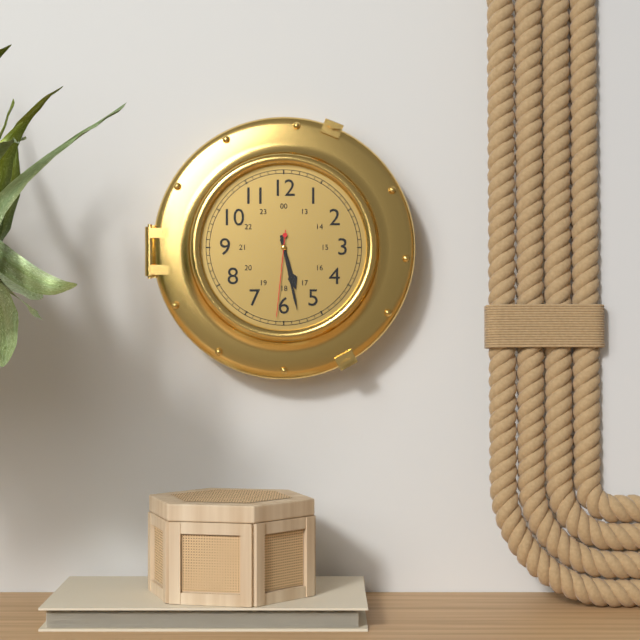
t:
5:28:31
